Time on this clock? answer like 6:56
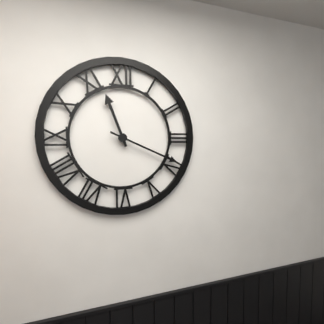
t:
11:19
